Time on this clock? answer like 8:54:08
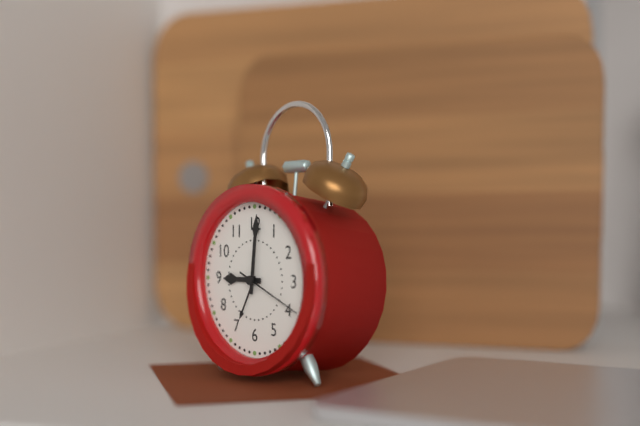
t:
9:01:19
